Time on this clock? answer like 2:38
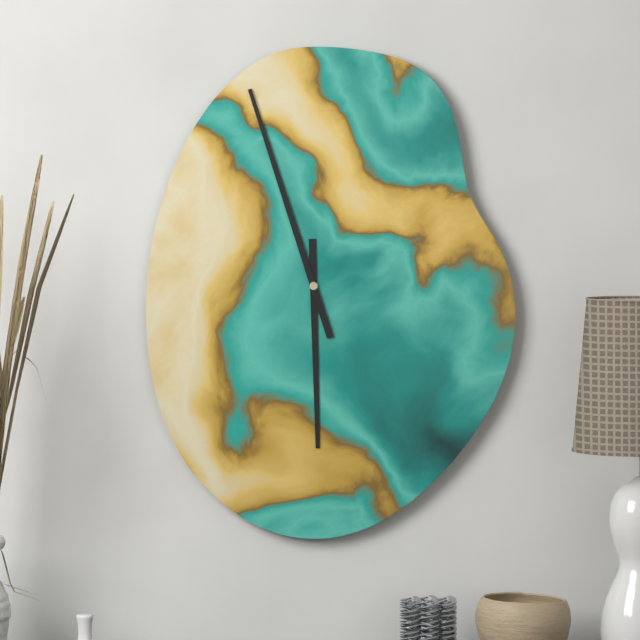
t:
5:57
